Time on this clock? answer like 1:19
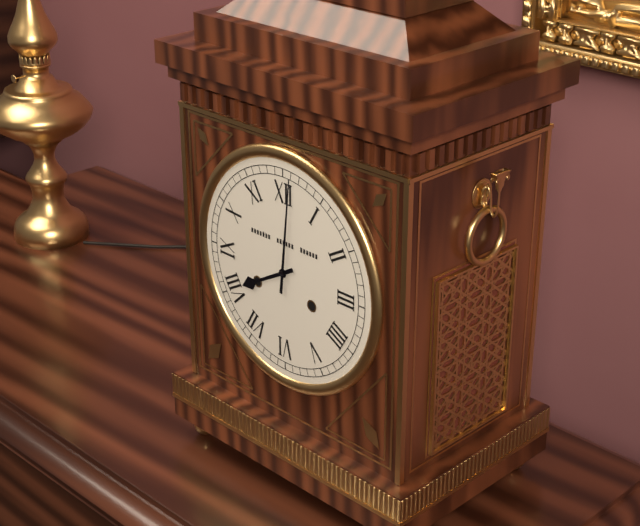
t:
8:01
